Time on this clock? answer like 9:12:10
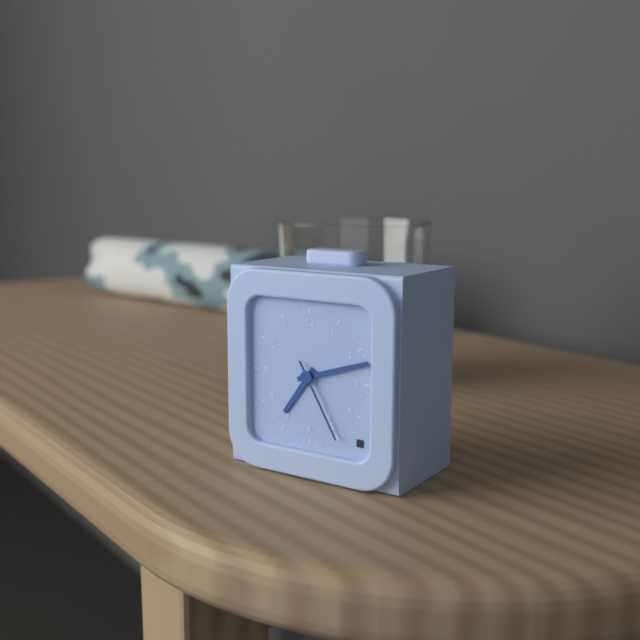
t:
7:12:25
